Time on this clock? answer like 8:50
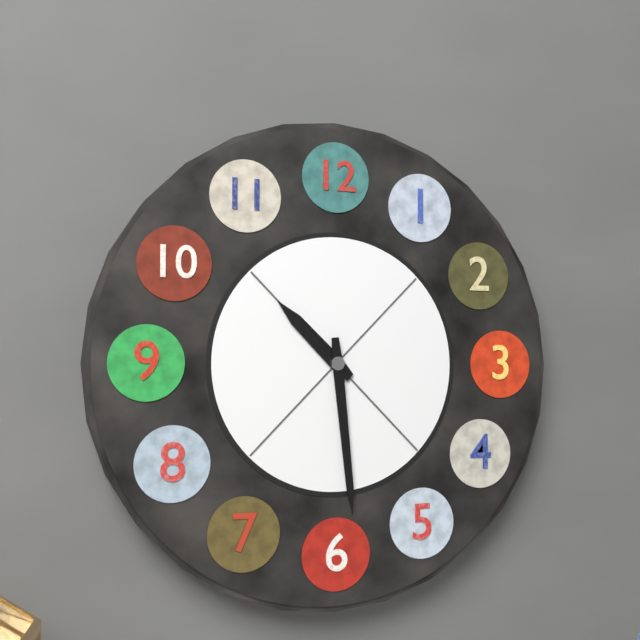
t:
10:29
